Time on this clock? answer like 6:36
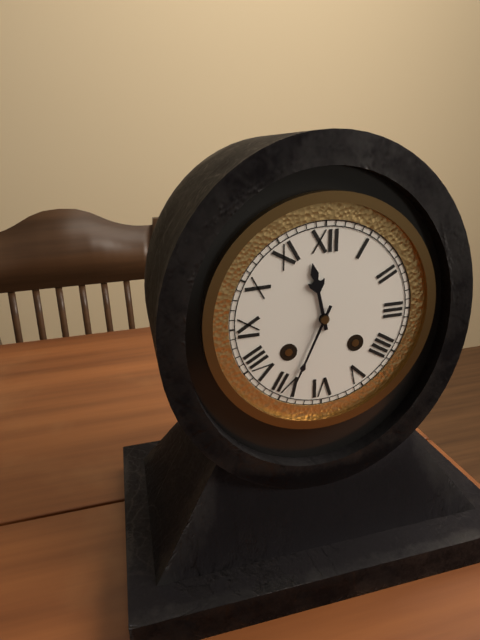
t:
11:34
